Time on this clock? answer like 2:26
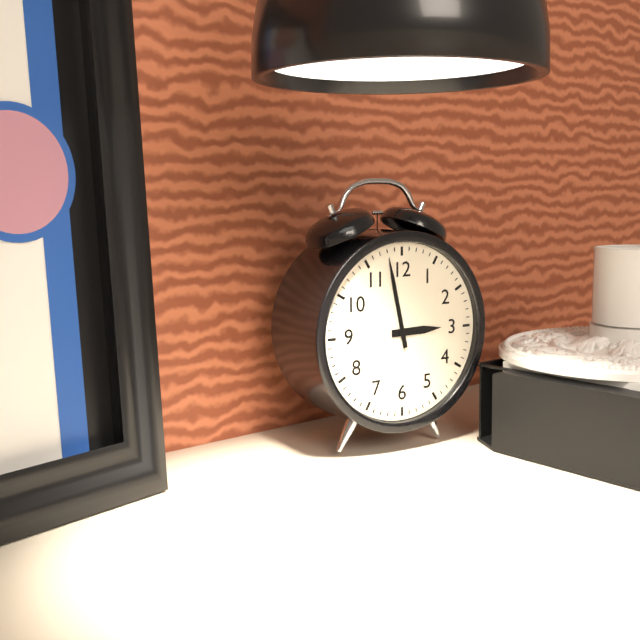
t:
2:58
